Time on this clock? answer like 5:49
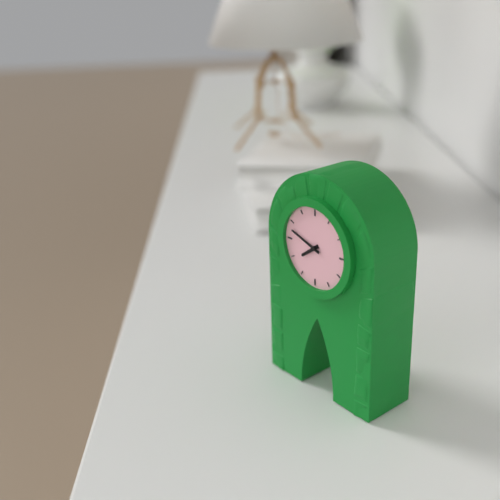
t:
7:48
